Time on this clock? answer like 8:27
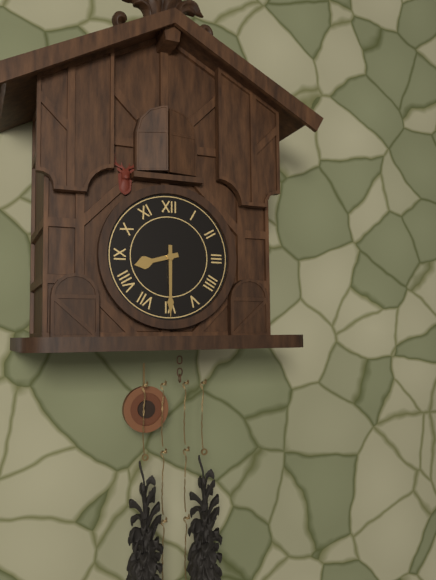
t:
8:30
